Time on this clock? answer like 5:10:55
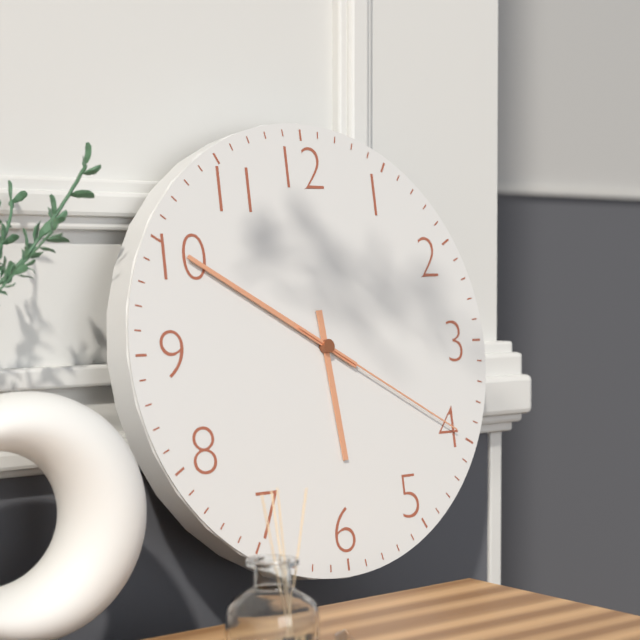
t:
5:50:20
